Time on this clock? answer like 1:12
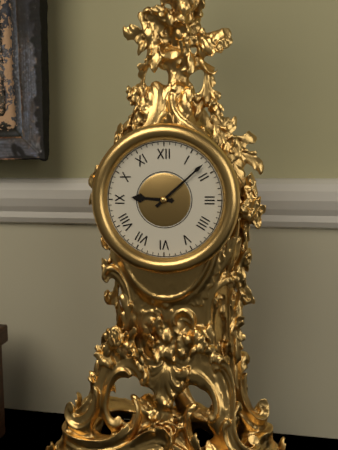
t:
9:08
